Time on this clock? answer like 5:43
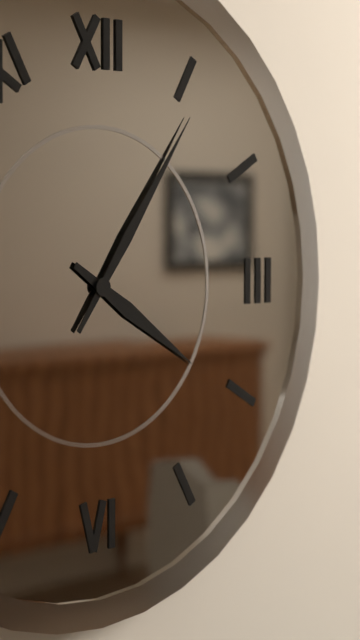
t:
4:06
